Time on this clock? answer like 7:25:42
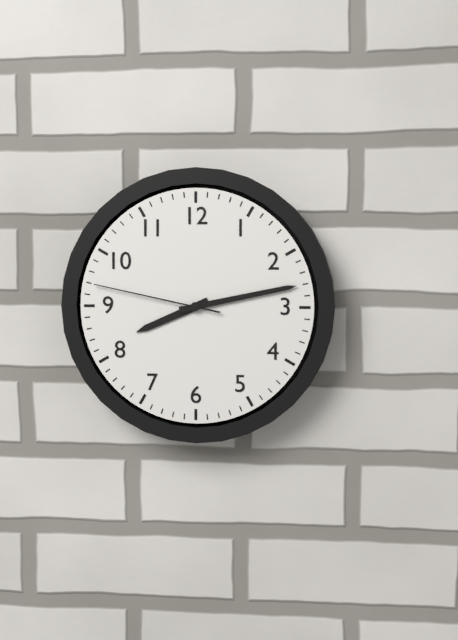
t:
8:13:47
